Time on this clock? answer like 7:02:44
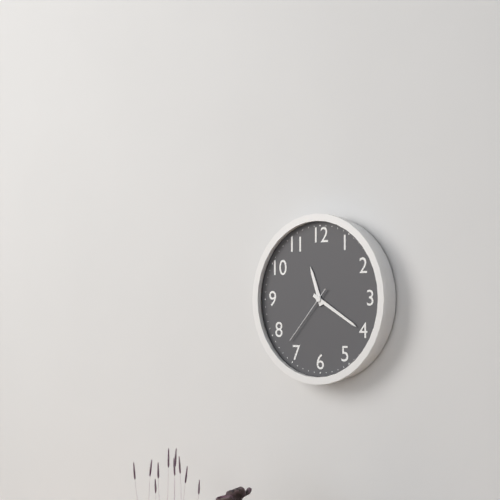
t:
11:20:37
